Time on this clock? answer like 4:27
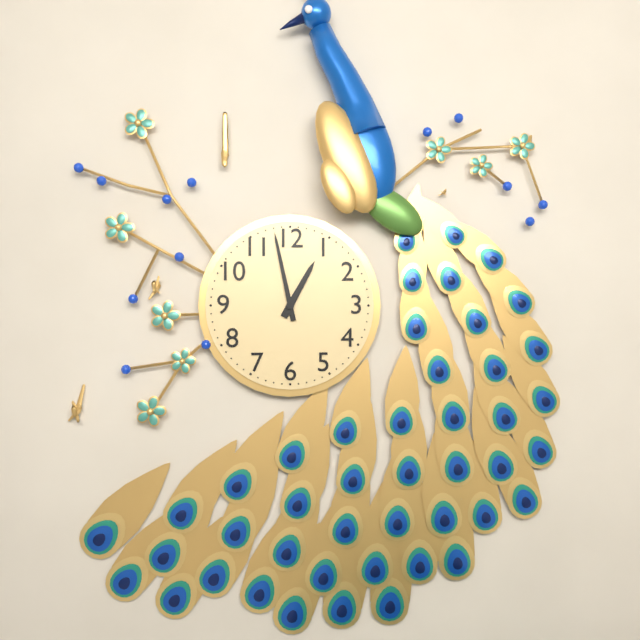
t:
12:58
